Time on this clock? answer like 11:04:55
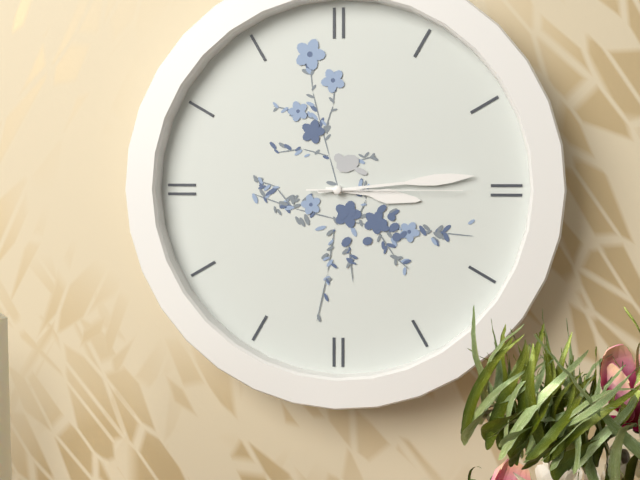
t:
3:14:15
